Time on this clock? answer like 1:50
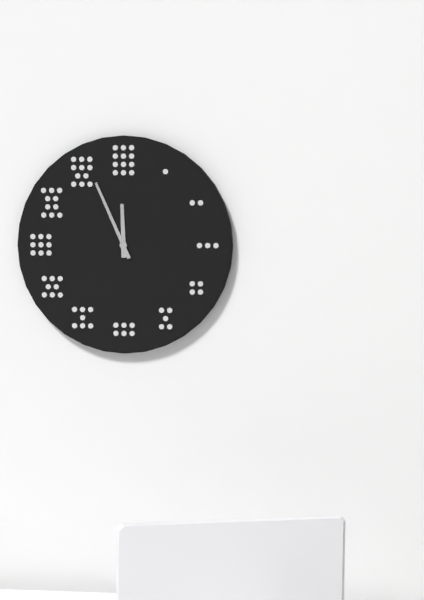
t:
11:56
